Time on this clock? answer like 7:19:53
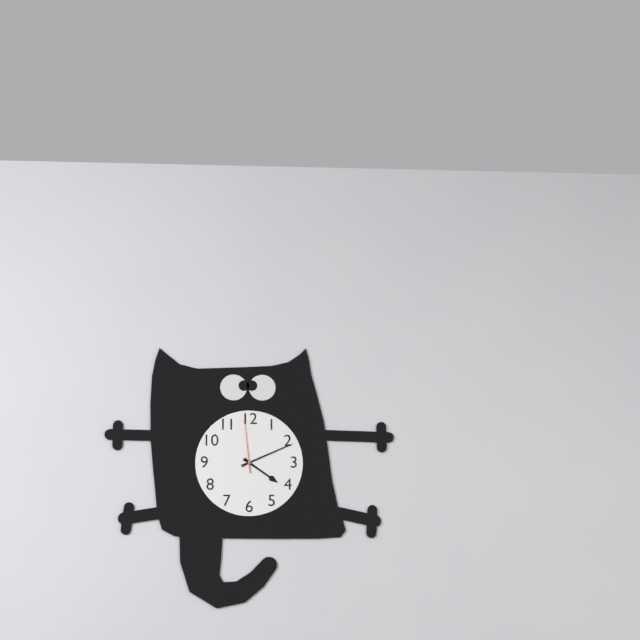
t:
4:11:59
